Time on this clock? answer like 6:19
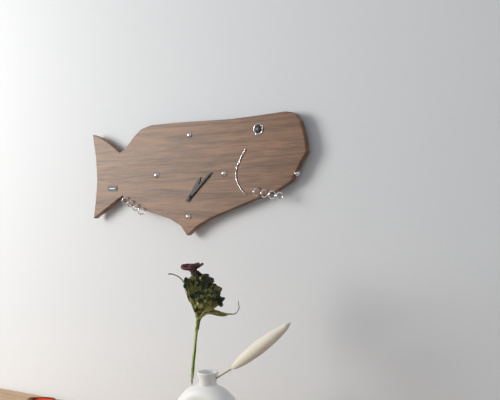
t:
1:08
